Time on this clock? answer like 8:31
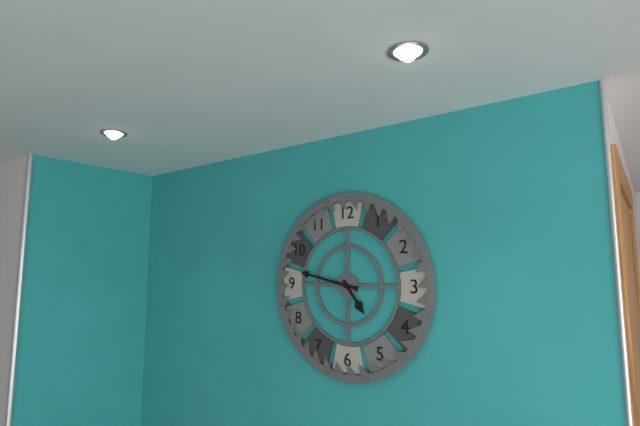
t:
4:47
